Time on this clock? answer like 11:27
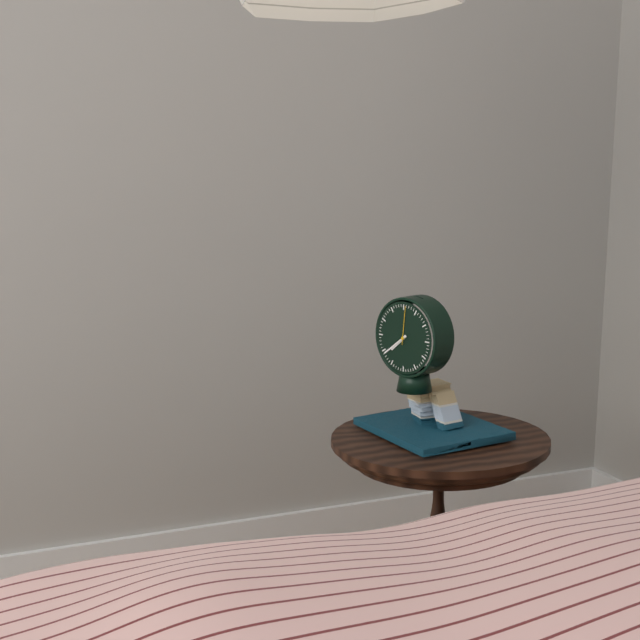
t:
7:39
